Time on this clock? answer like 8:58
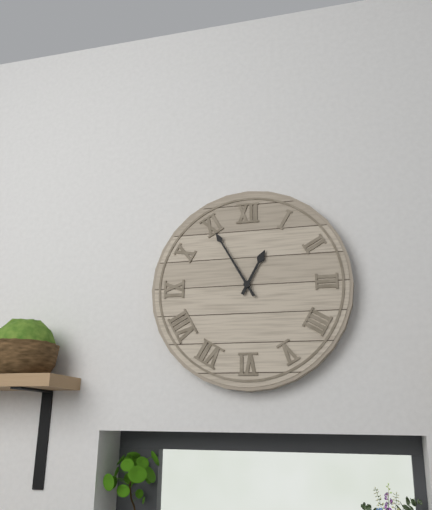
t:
12:55
